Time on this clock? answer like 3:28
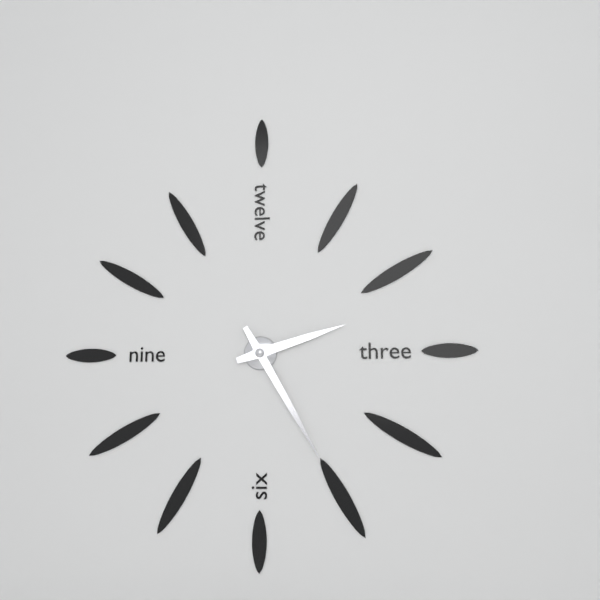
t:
2:25
